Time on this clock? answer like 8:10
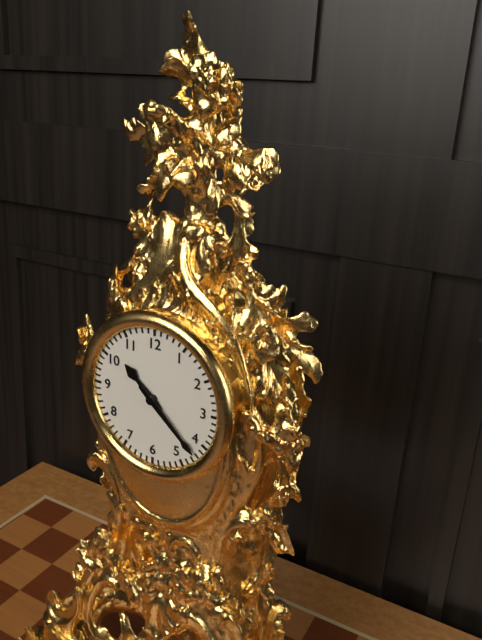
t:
10:22
